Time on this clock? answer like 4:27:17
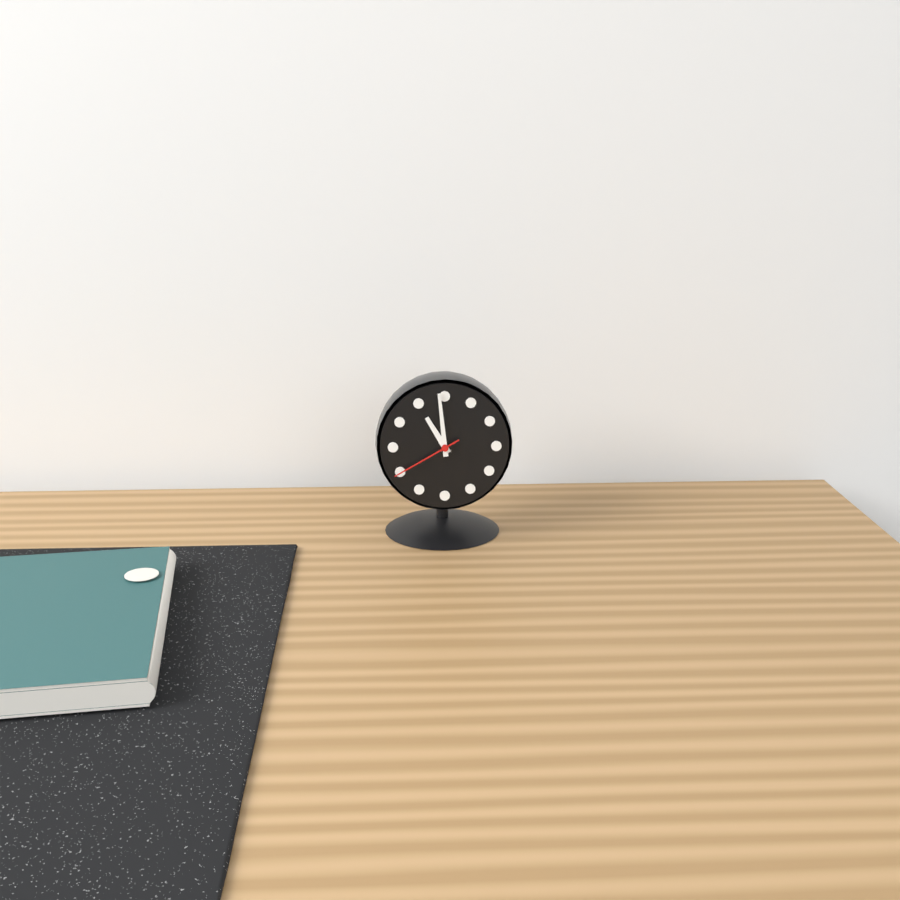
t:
10:59:40
